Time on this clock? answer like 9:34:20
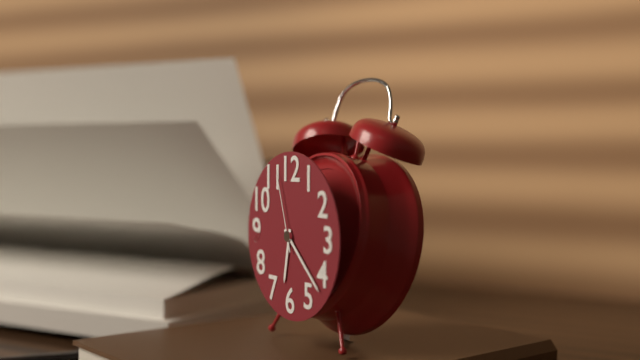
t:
6:22:57
